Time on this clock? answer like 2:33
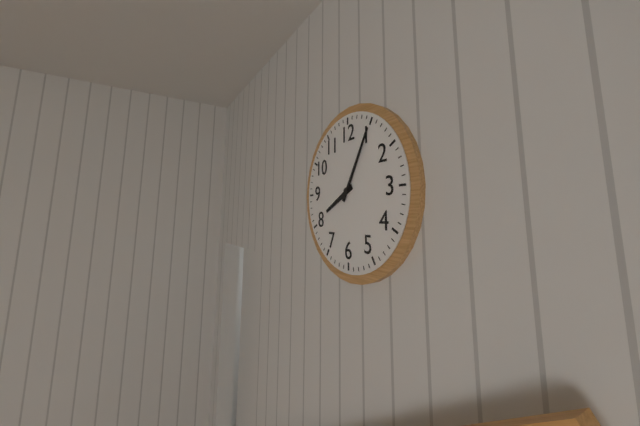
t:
8:05
